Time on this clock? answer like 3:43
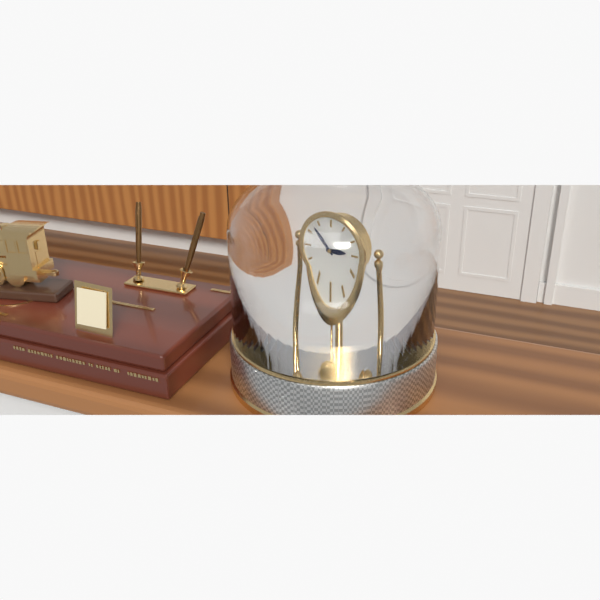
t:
2:53
